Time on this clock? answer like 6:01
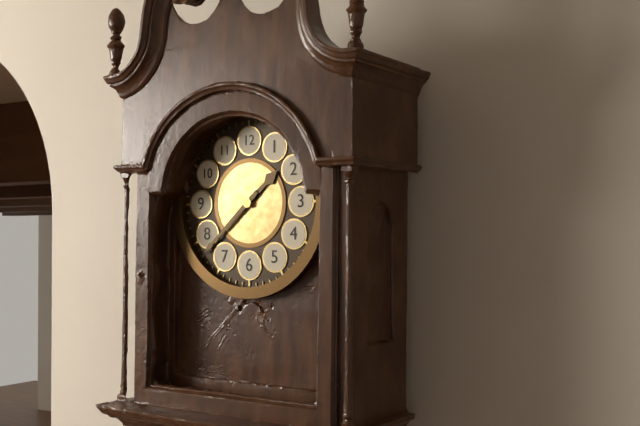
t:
1:38
